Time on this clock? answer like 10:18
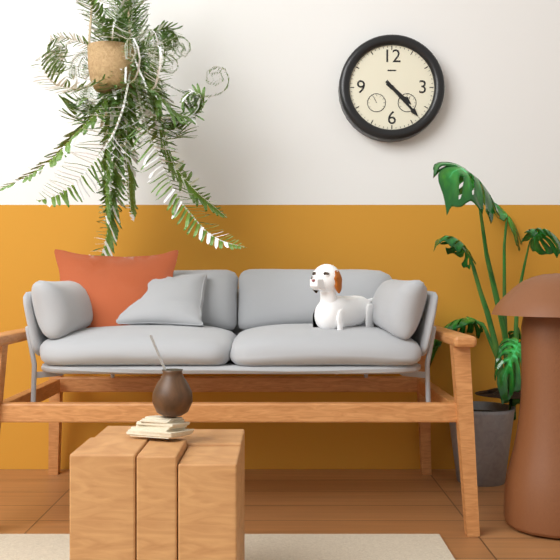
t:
4:23
